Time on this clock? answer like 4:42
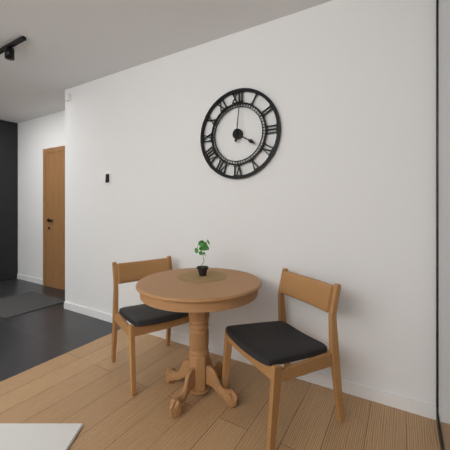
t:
4:01
